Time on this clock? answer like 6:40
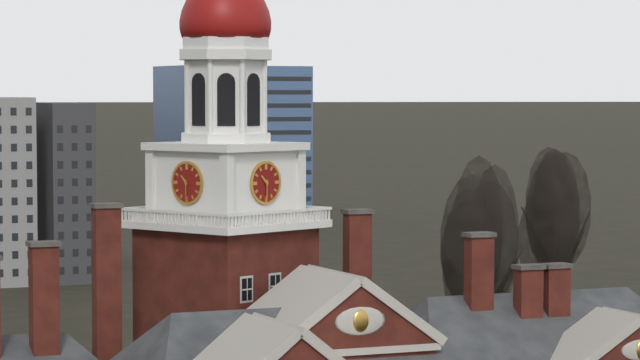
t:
10:30
